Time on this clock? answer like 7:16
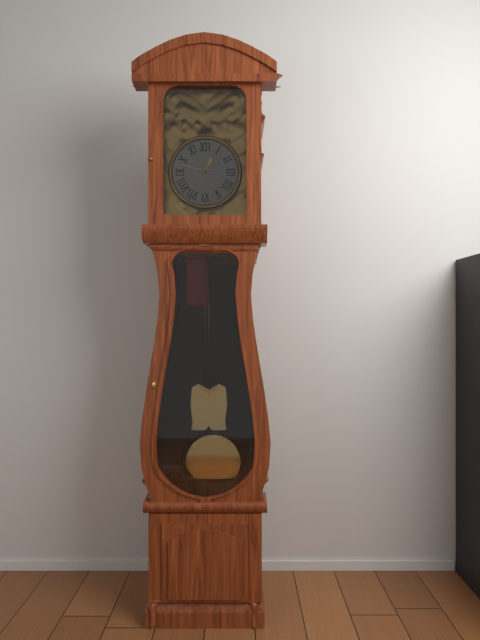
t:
12:48
